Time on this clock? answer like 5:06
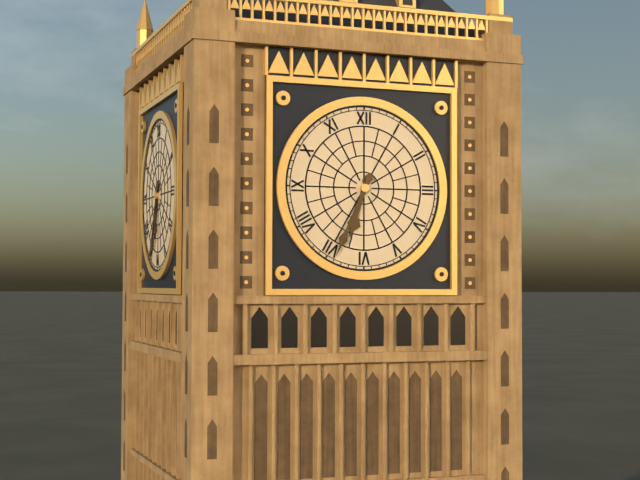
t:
6:34
